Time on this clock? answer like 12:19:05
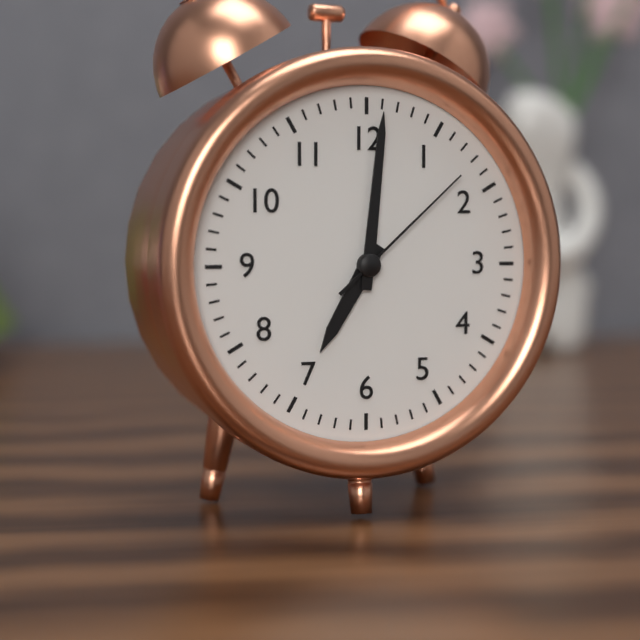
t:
7:01:08
